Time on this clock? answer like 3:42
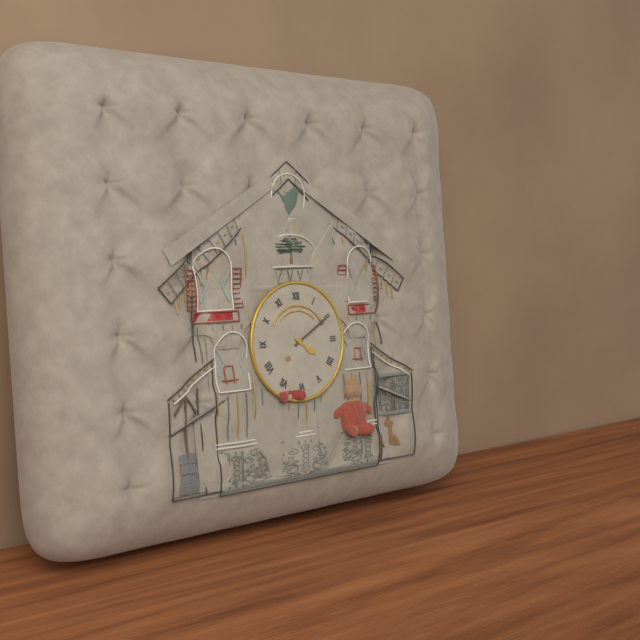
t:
4:10
